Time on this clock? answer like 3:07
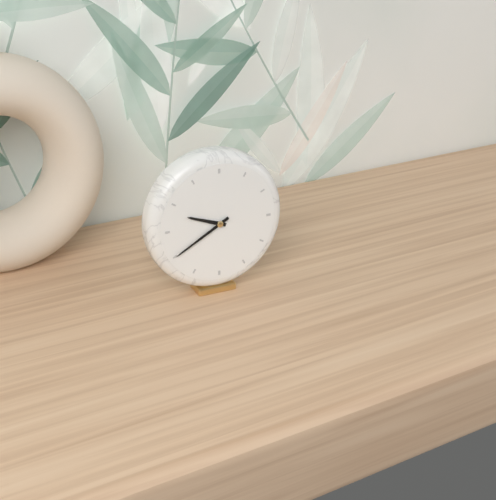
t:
9:40
